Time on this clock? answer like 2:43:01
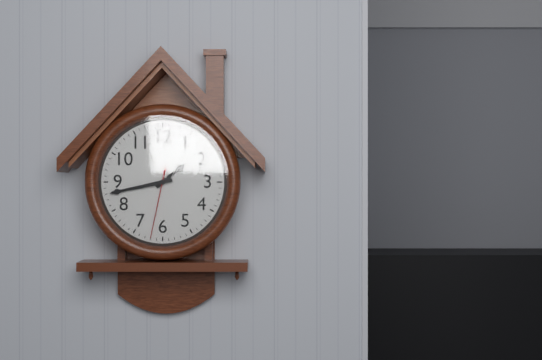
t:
1:43:32
